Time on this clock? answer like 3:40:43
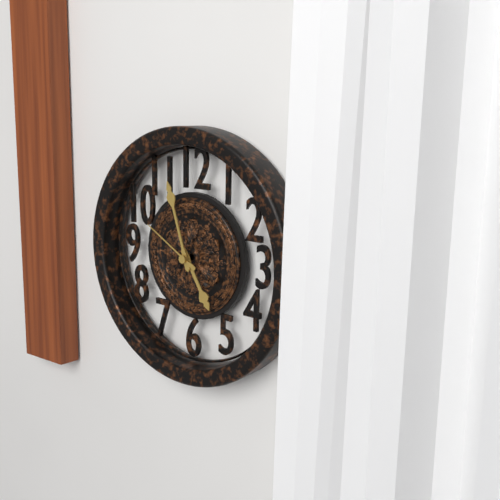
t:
4:57:50
